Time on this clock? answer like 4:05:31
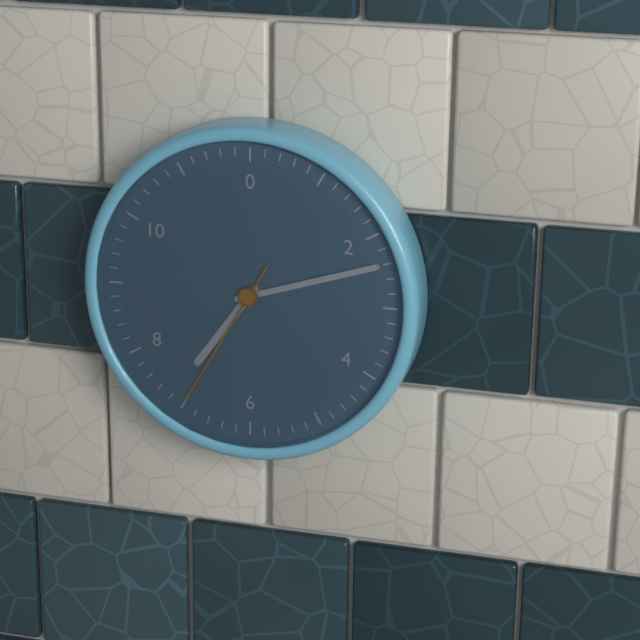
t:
7:12:35
